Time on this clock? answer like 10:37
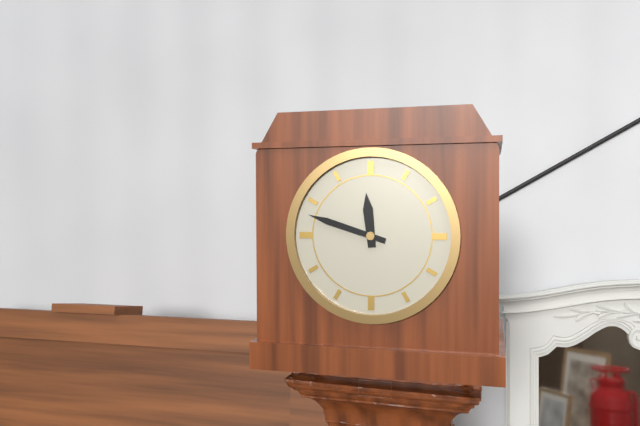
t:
11:48
